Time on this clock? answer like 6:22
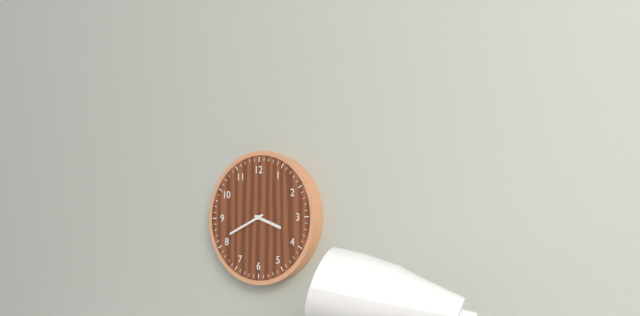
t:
3:41
